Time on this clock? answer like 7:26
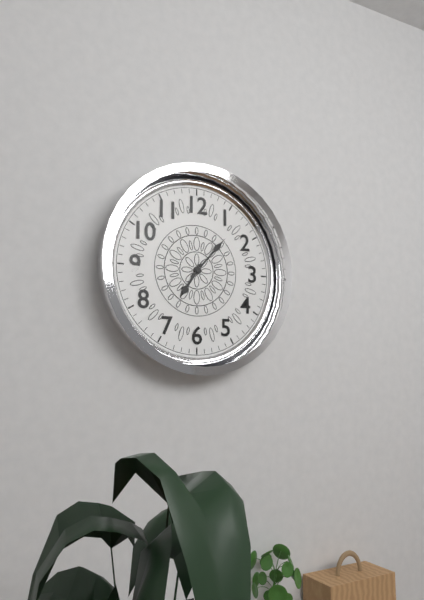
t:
7:07
